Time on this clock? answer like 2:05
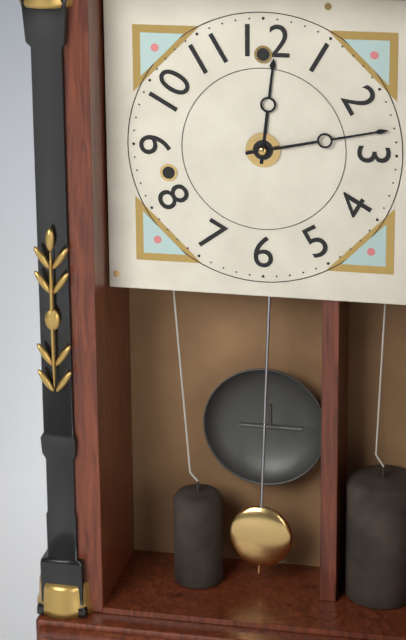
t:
12:13
